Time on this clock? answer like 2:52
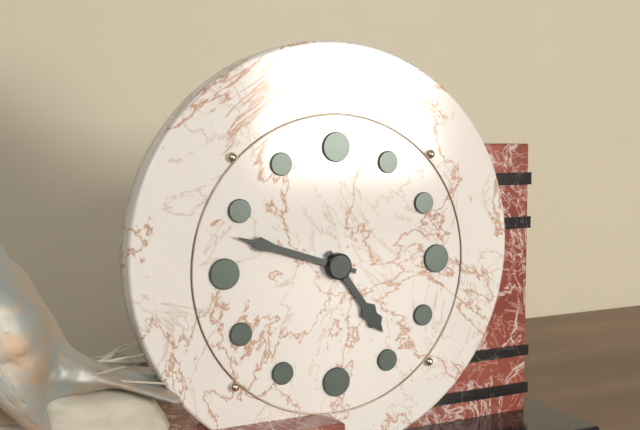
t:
4:48
